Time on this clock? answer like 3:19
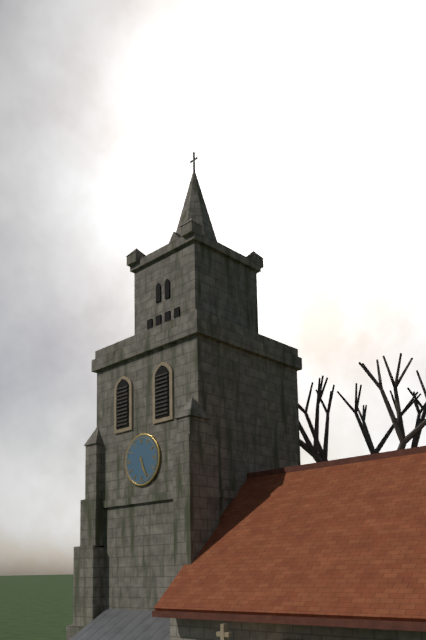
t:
5:26
